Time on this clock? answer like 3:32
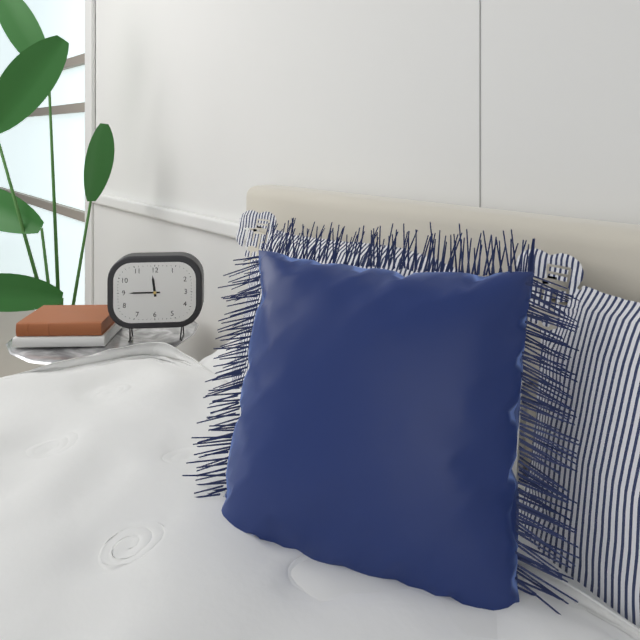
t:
11:45
